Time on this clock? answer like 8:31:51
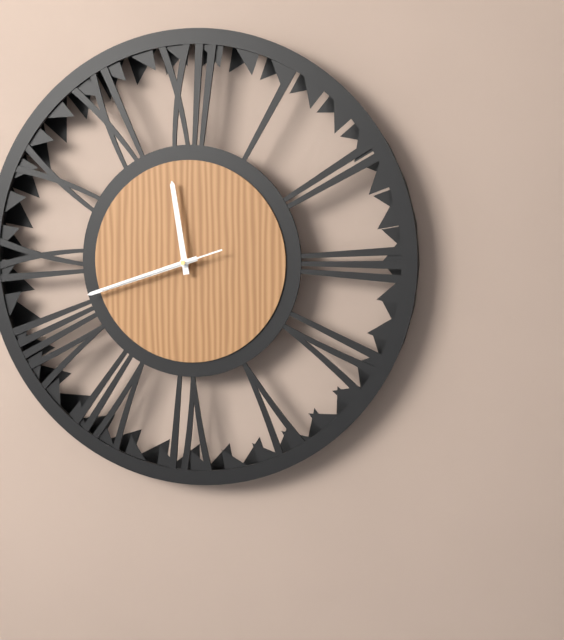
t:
11:42:42
